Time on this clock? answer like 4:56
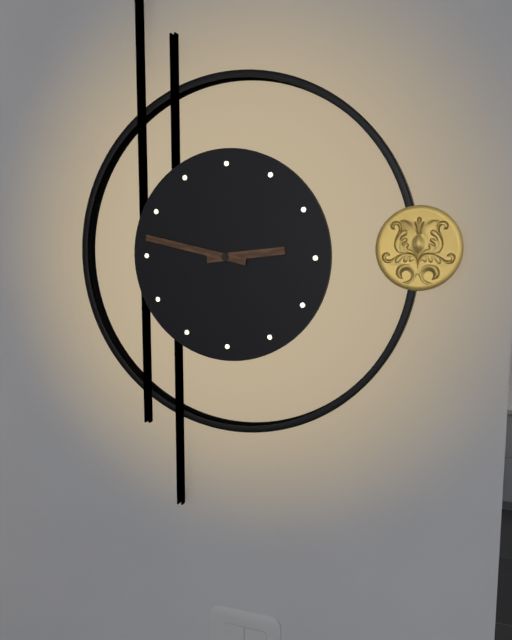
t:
2:47
